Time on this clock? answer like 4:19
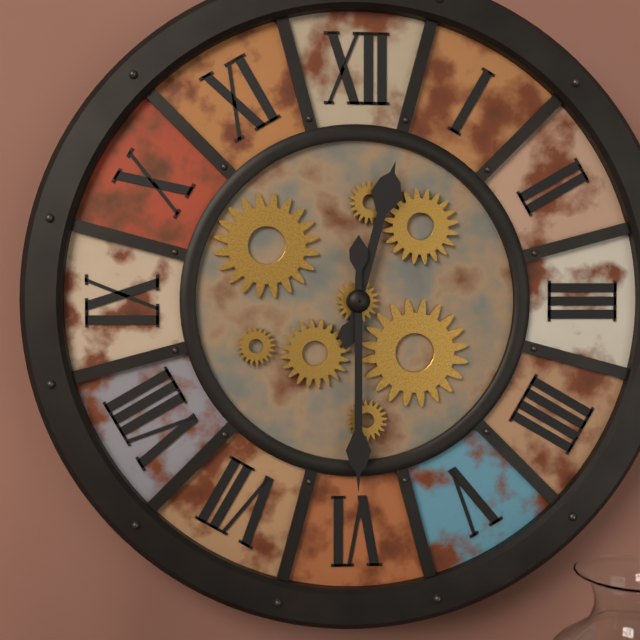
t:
12:30
